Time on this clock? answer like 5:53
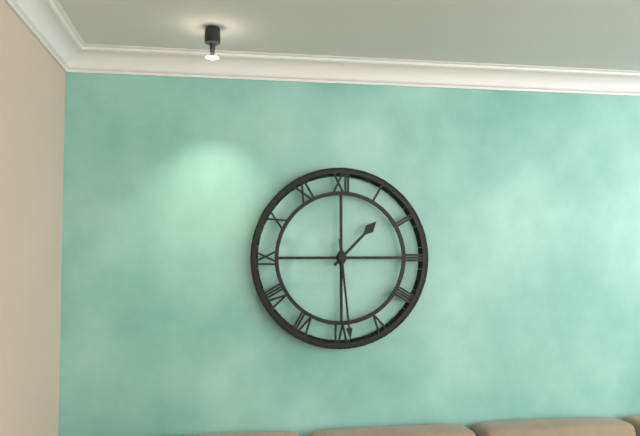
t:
1:29
